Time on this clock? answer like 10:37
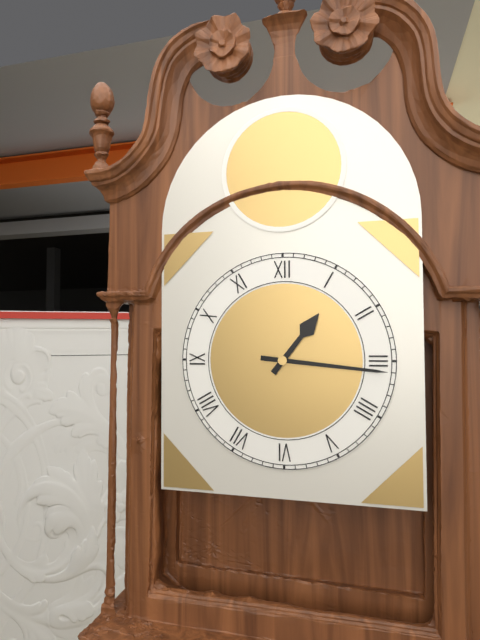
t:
1:16
